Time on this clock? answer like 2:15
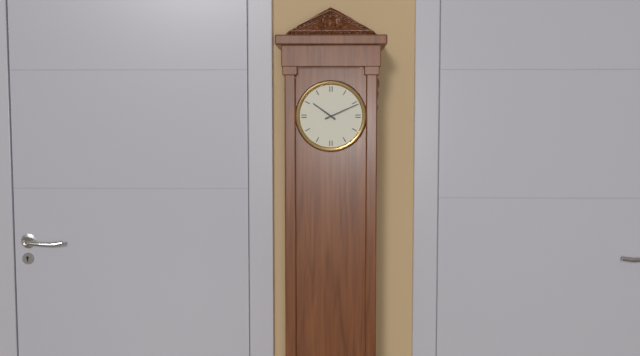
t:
10:11
